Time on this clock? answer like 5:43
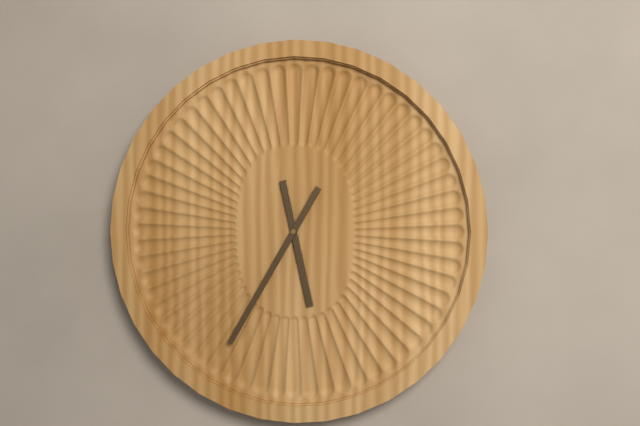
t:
5:35
